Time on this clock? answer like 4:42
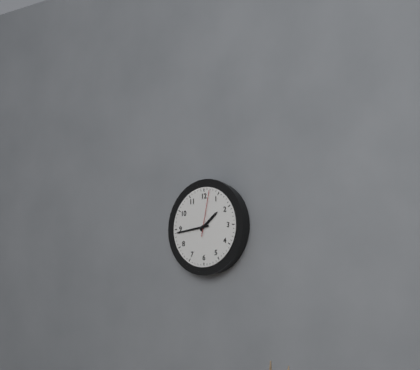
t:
1:44
